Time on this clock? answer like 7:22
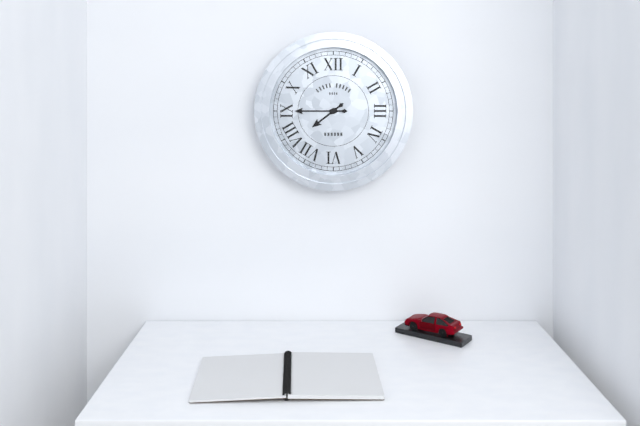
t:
7:45
